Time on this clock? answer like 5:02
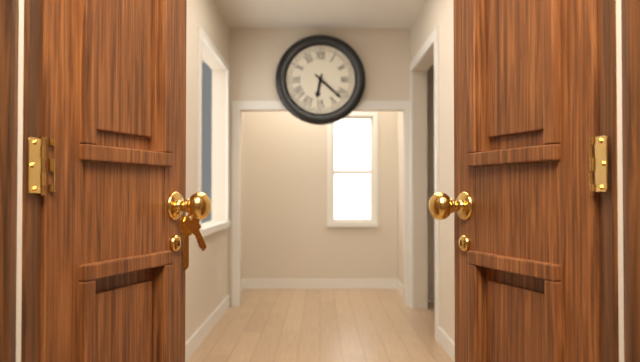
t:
6:22
